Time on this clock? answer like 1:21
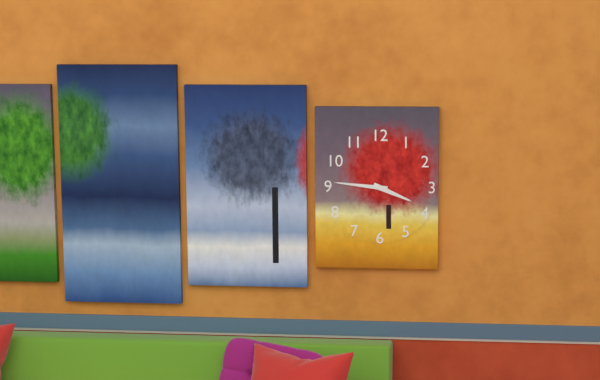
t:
3:46
